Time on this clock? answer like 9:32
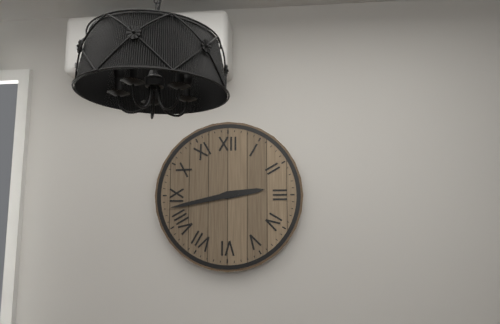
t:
2:43
